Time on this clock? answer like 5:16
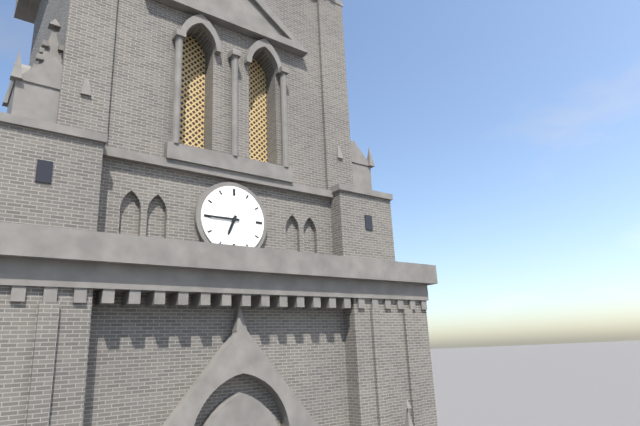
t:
6:45
